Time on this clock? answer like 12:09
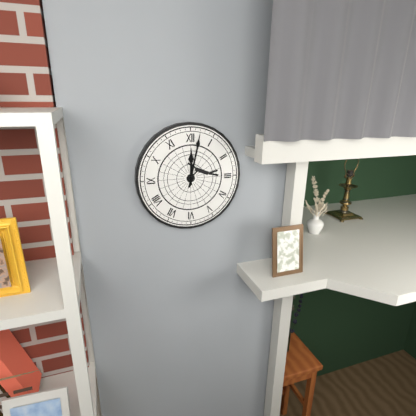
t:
12:02
